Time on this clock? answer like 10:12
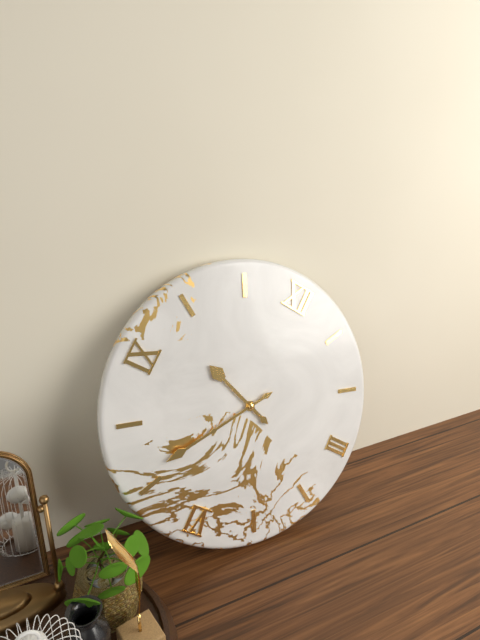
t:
9:36
